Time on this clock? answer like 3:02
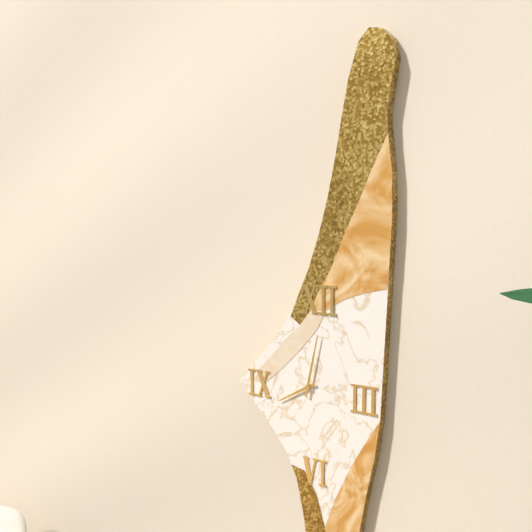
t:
8:02
